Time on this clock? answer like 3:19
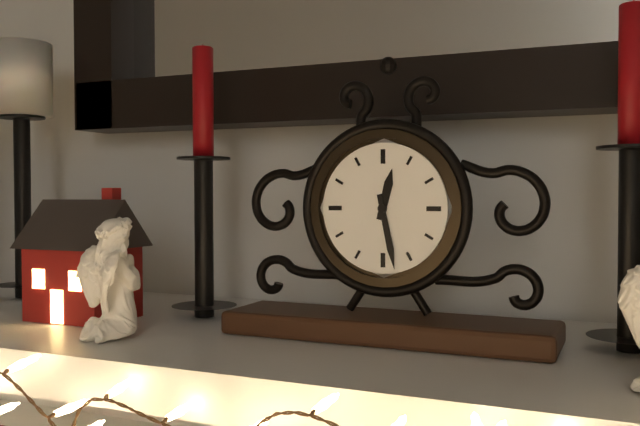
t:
12:28
